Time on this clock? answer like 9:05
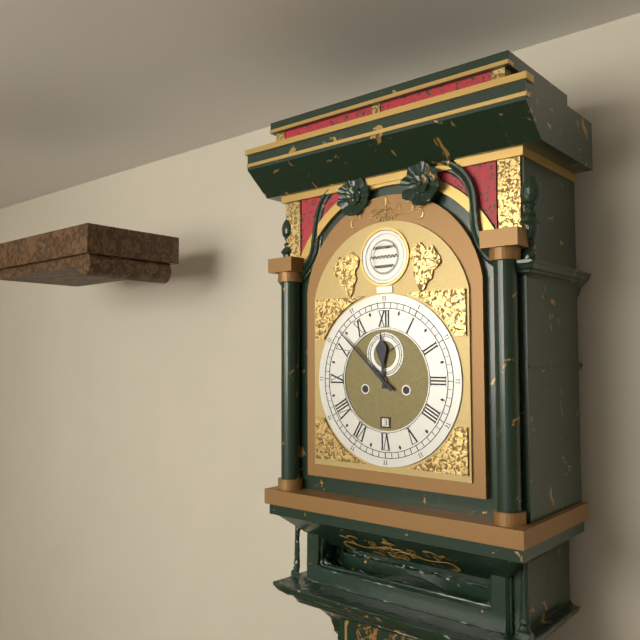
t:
11:52
